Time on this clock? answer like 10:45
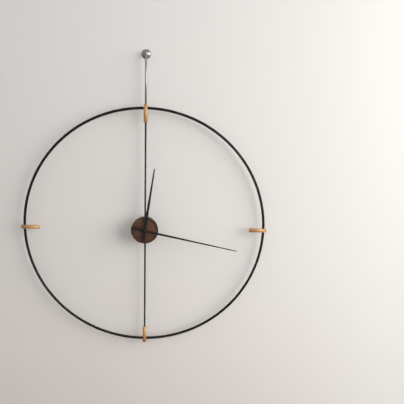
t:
12:17
